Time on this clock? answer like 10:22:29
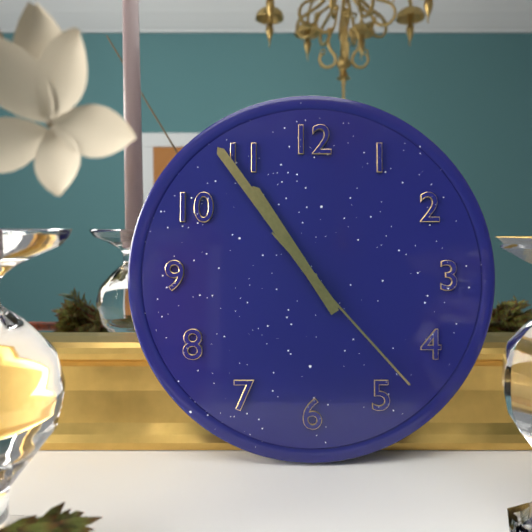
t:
10:54:23
